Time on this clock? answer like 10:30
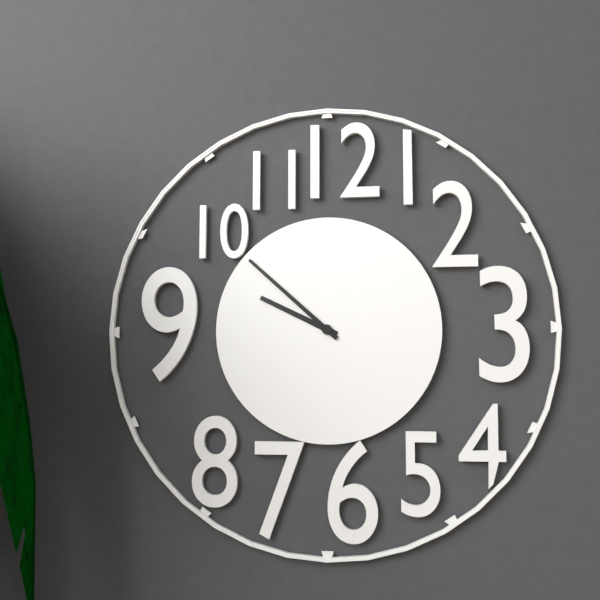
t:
9:52
